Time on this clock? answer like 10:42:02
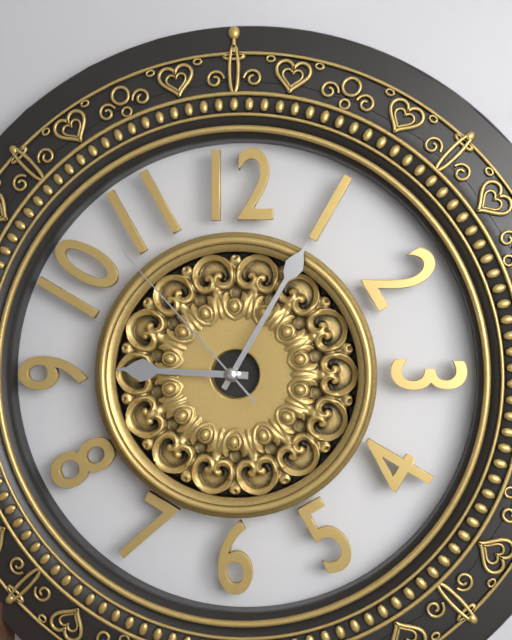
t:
9:05:53
